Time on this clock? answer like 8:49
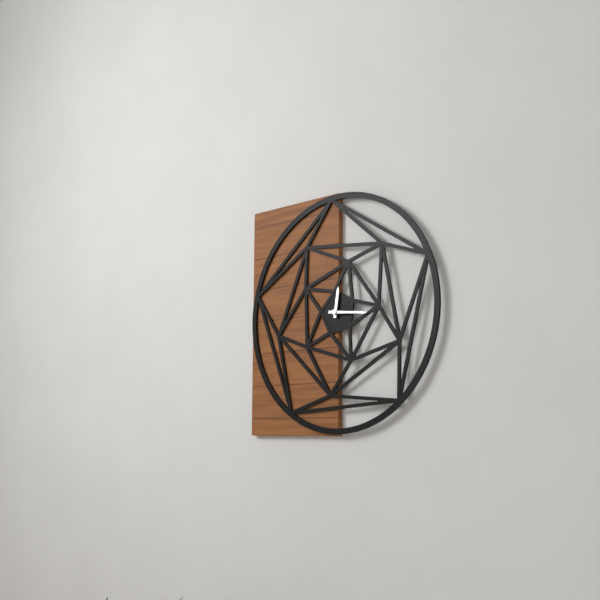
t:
12:16
